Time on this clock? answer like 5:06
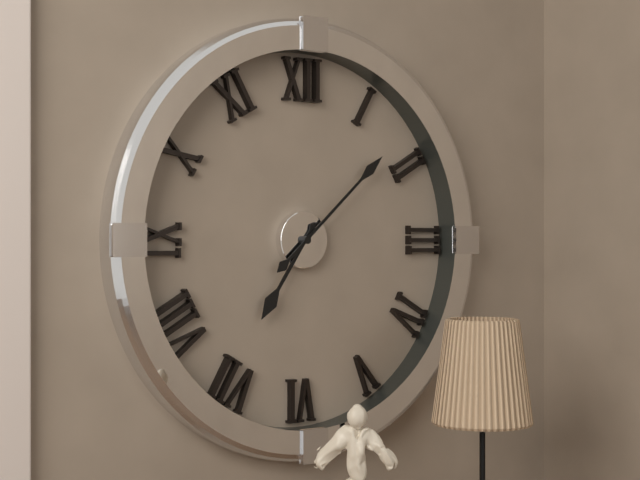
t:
7:08
